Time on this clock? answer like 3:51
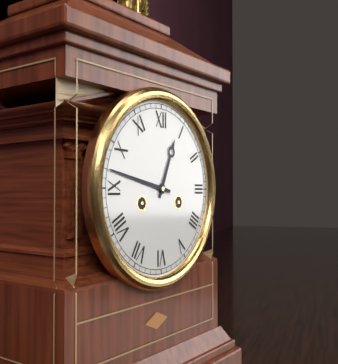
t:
12:47
